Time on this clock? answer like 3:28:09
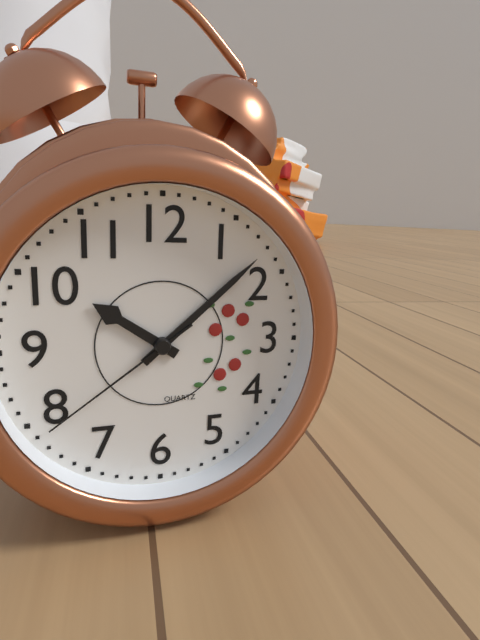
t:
10:08:39
